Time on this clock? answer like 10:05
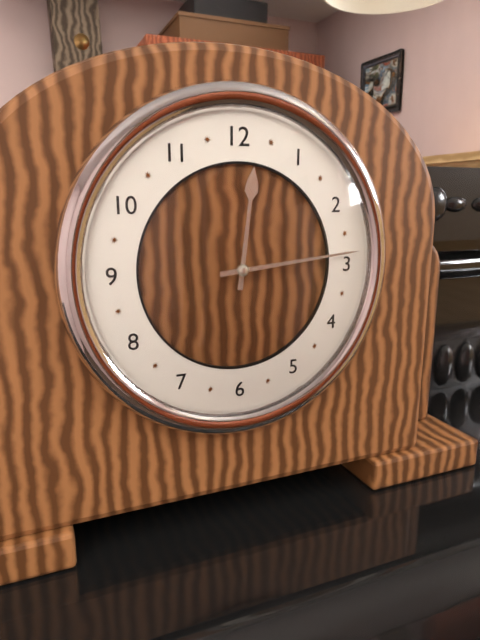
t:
12:14
